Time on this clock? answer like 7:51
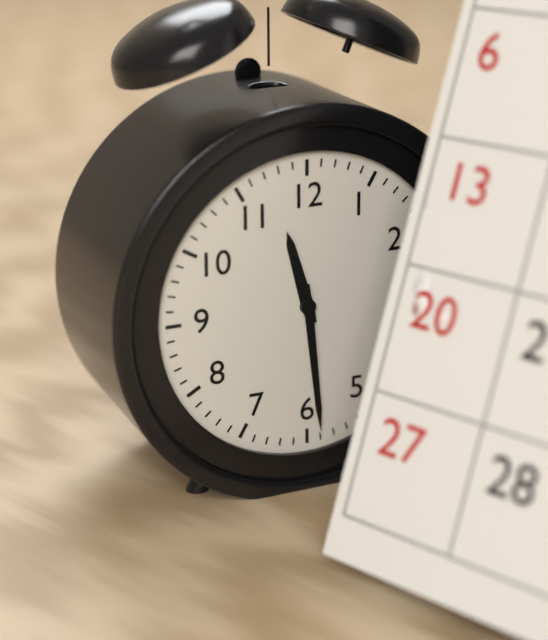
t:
11:29
